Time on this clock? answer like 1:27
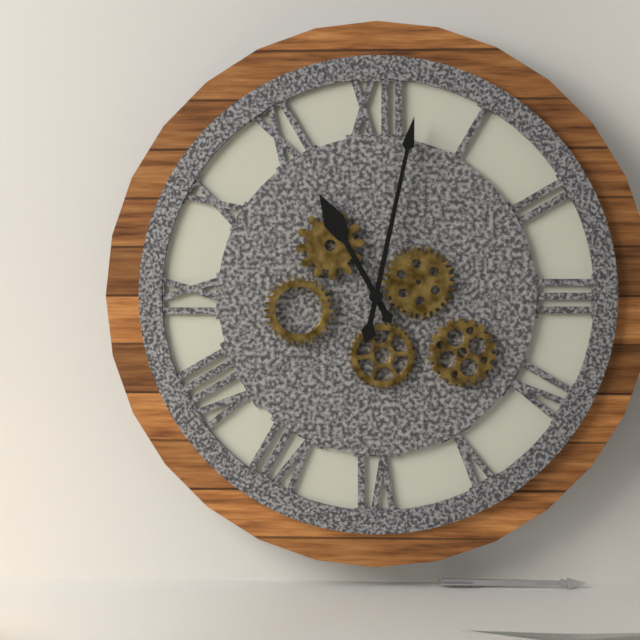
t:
11:02
